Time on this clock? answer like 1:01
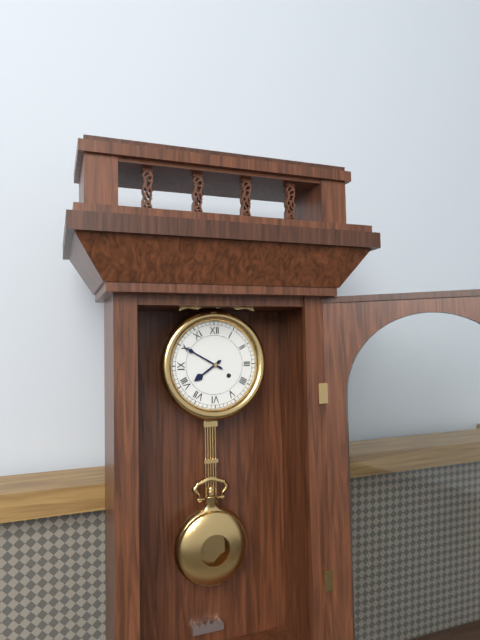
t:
7:50
